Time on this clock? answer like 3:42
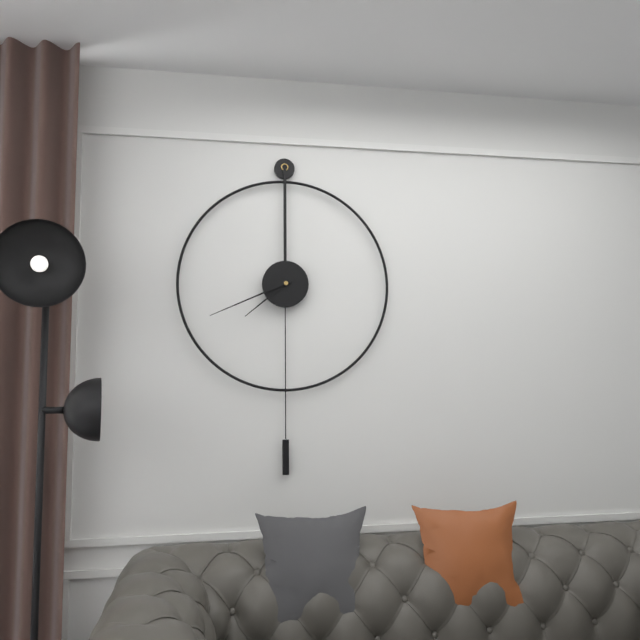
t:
7:41
